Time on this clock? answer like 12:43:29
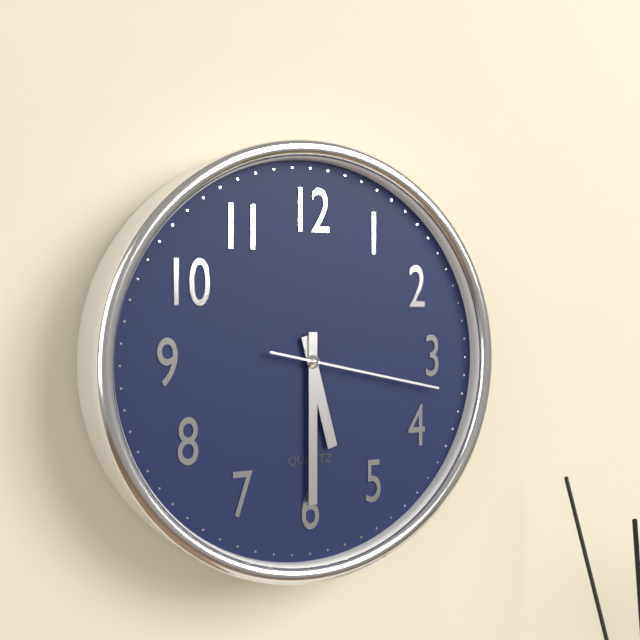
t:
5:30:17
